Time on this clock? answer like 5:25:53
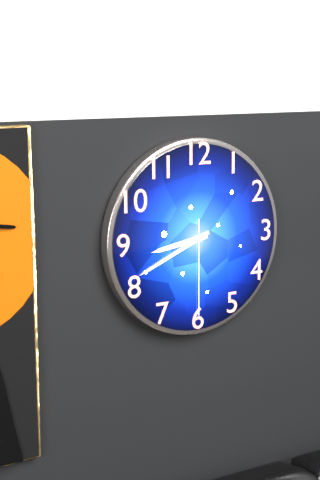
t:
8:41:30
